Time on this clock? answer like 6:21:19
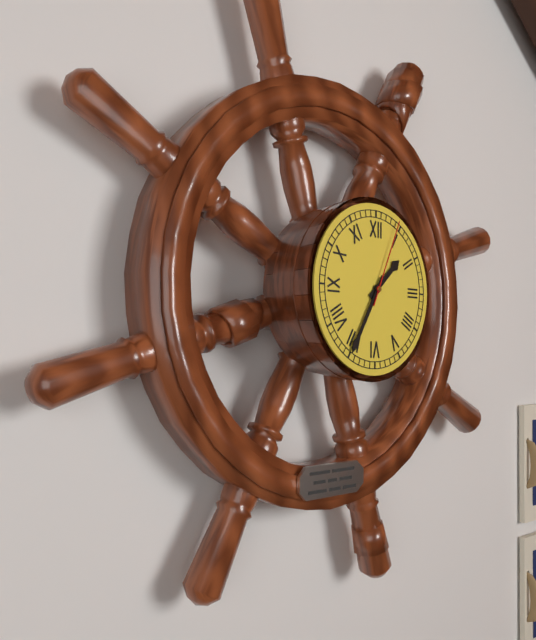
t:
1:35:04
